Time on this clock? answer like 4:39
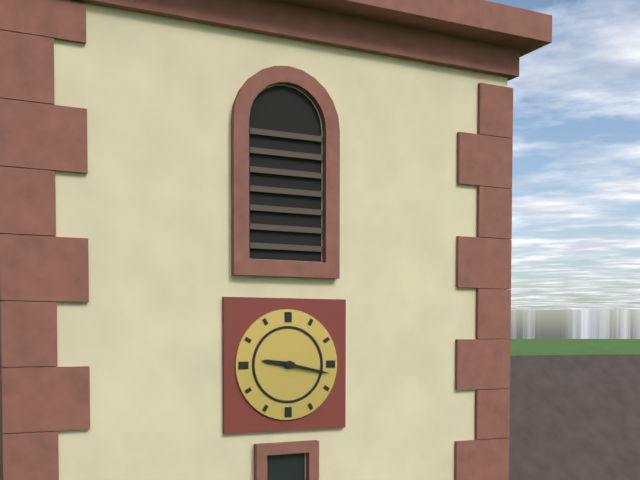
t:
9:17
